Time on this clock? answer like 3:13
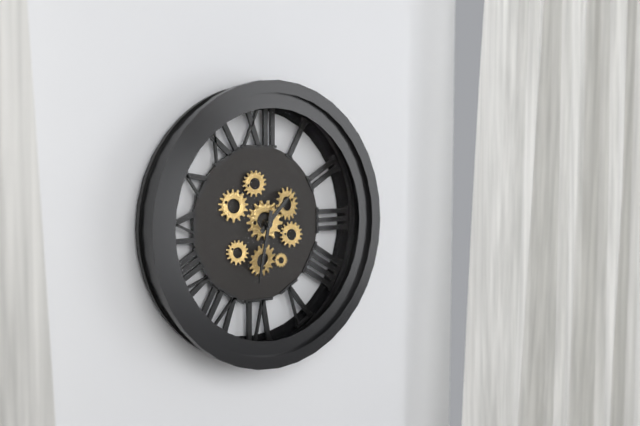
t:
1:32
